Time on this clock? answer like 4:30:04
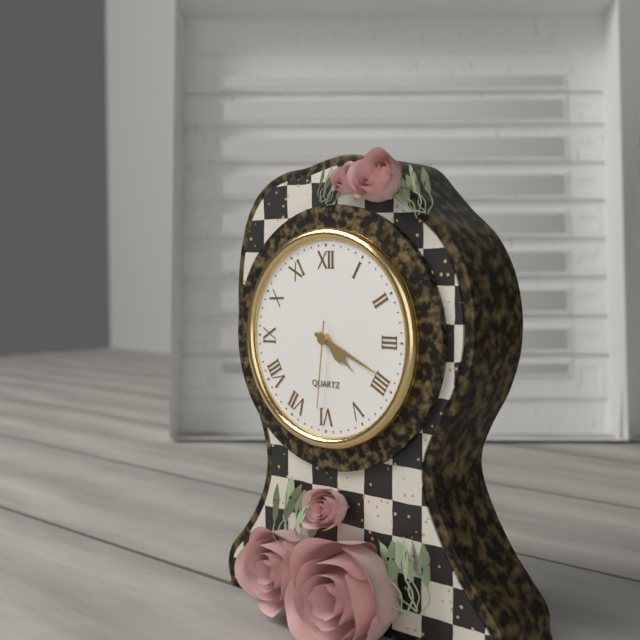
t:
4:19:31
